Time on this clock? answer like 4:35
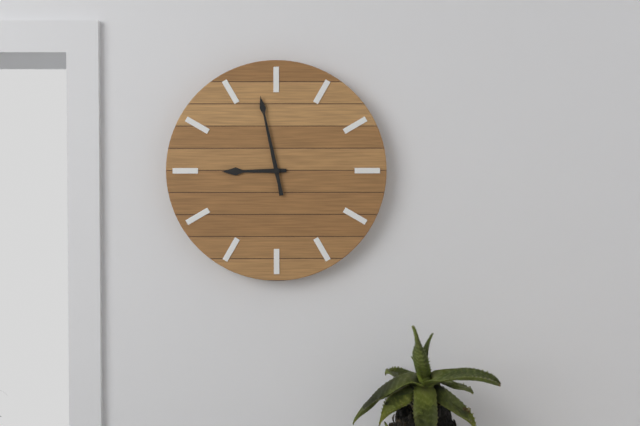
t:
8:58
